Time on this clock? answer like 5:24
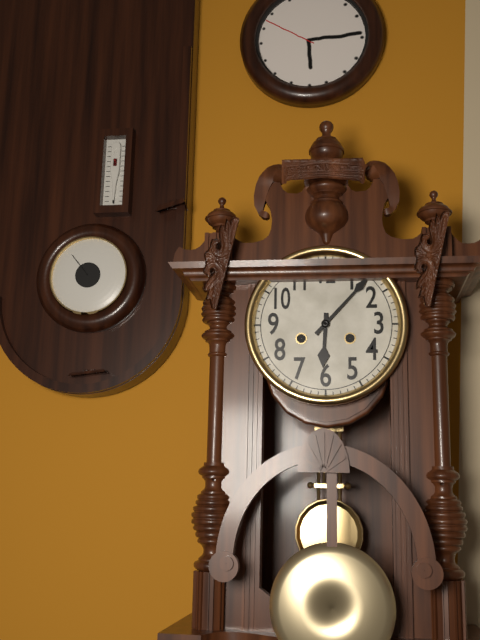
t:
6:07
